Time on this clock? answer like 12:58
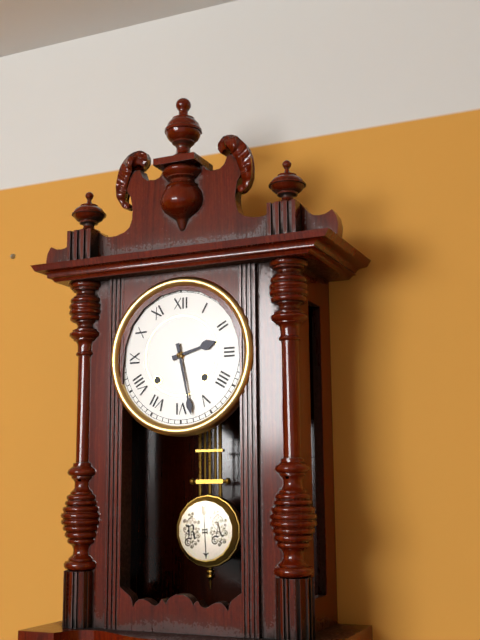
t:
2:28
